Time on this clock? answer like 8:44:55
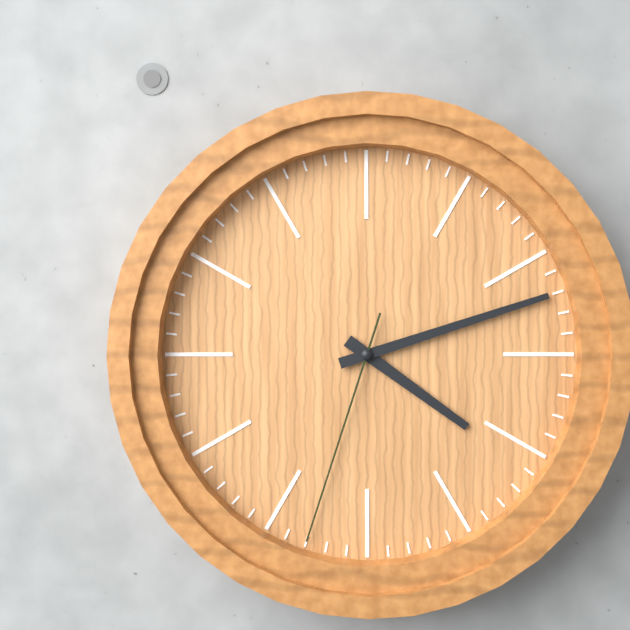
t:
4:12:33
